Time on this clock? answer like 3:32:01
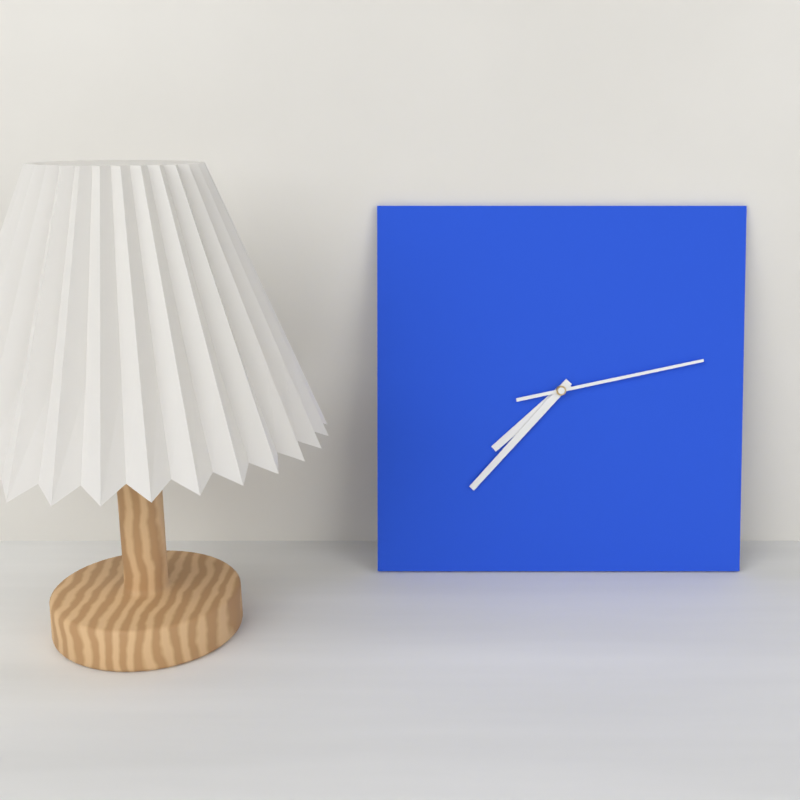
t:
7:37:13
